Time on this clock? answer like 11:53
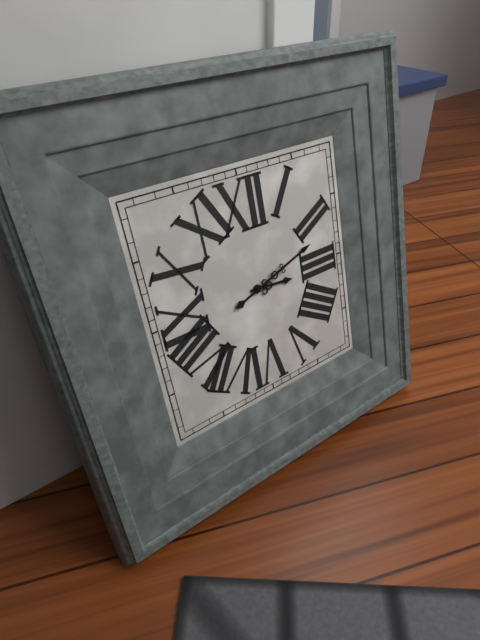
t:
3:12
